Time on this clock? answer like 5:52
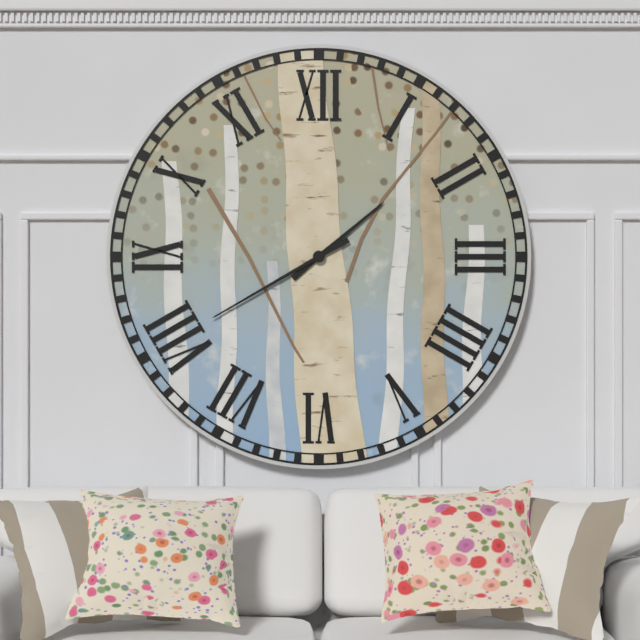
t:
1:40
